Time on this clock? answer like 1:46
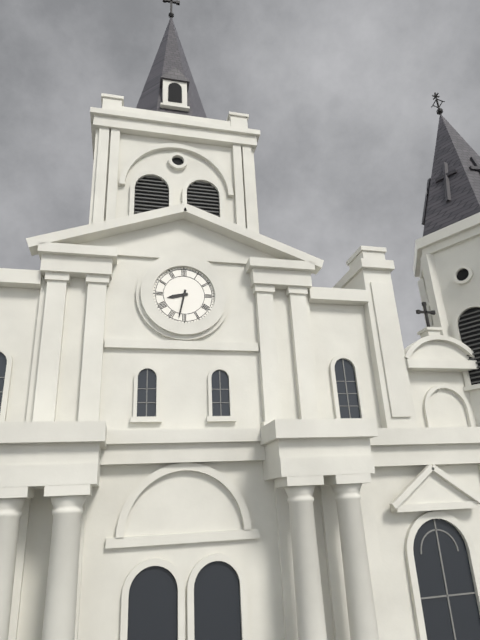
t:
8:32
